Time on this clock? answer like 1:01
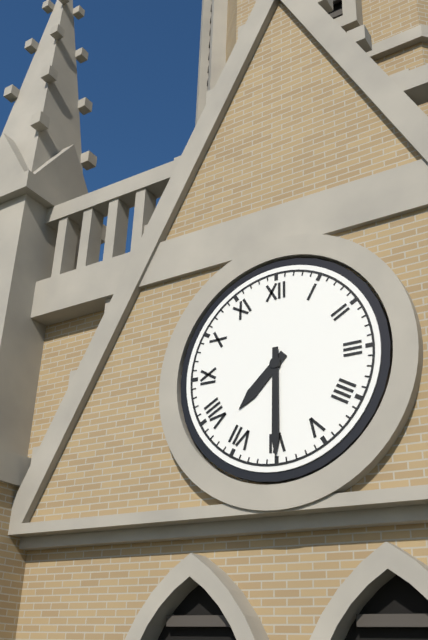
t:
7:30
